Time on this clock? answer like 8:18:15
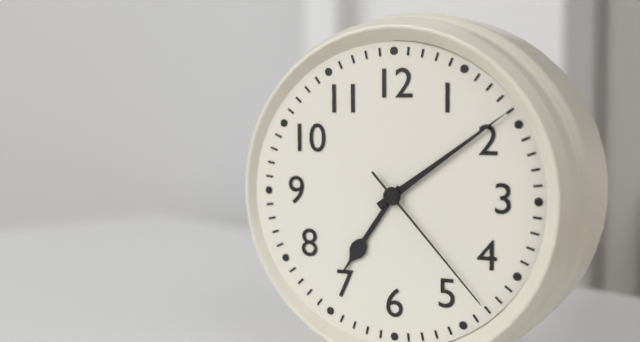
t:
7:09:23
